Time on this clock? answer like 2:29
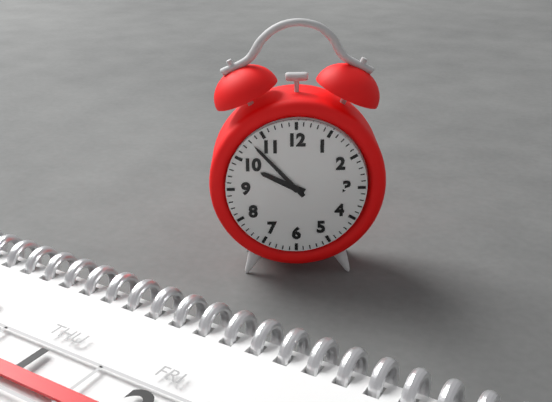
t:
9:53
